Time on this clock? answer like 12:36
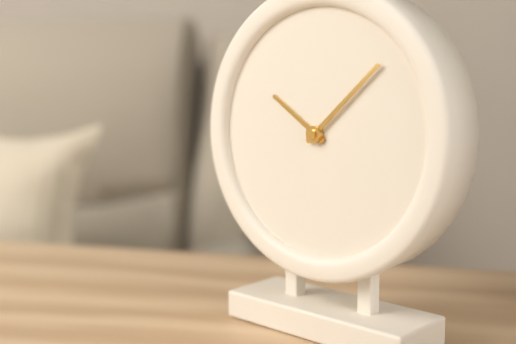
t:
10:08
